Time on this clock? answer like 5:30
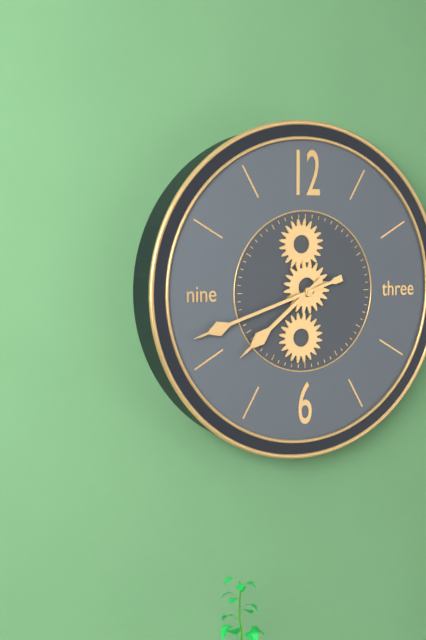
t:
7:42
